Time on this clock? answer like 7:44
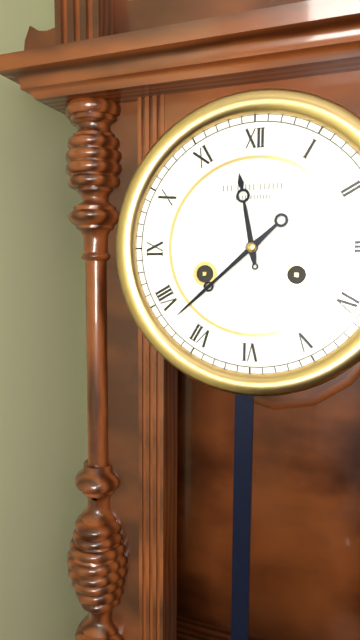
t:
11:38
